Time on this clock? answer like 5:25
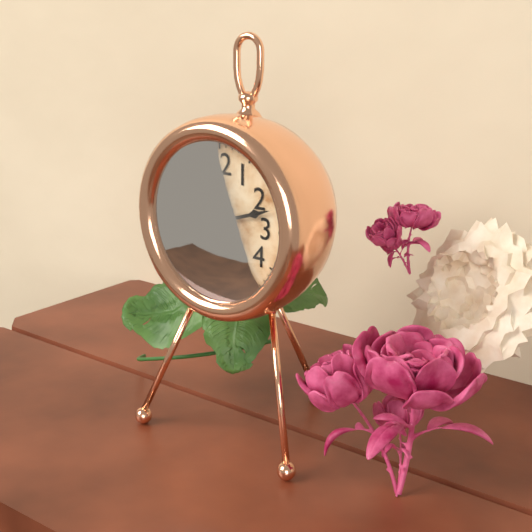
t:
11:12
